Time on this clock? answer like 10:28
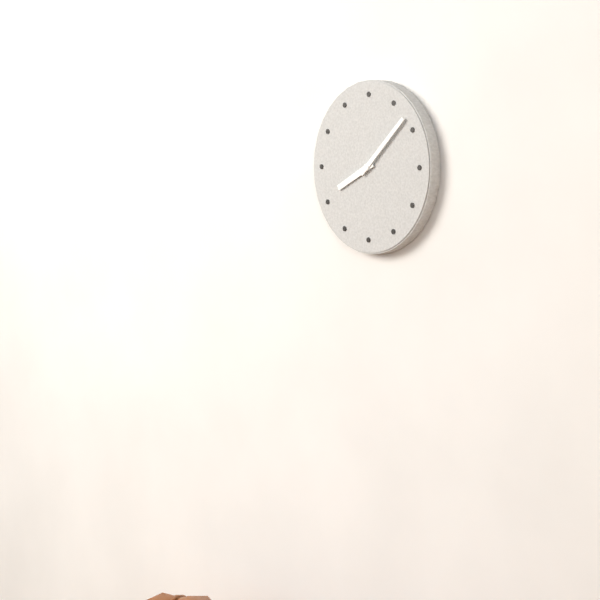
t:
8:08
